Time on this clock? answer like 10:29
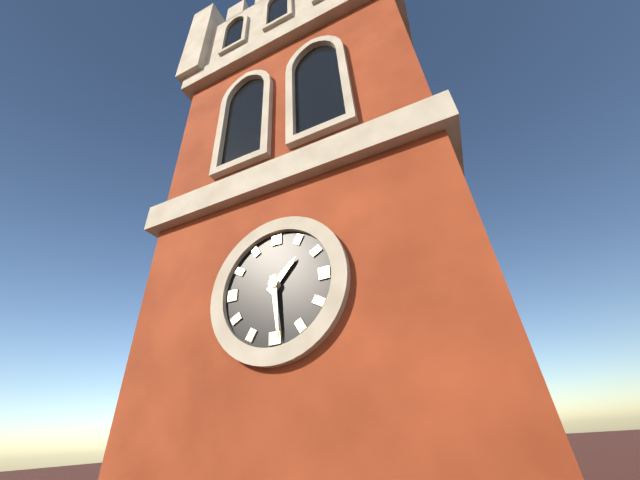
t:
1:29
